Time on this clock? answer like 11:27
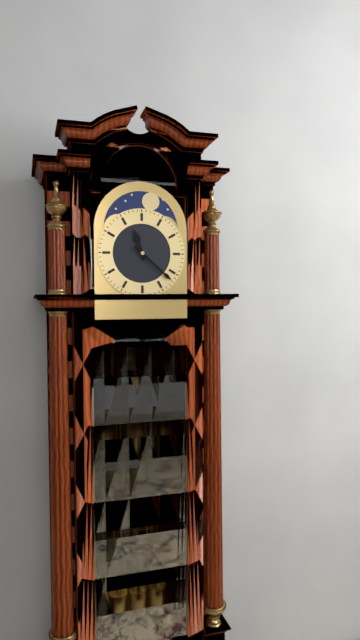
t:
11:22
